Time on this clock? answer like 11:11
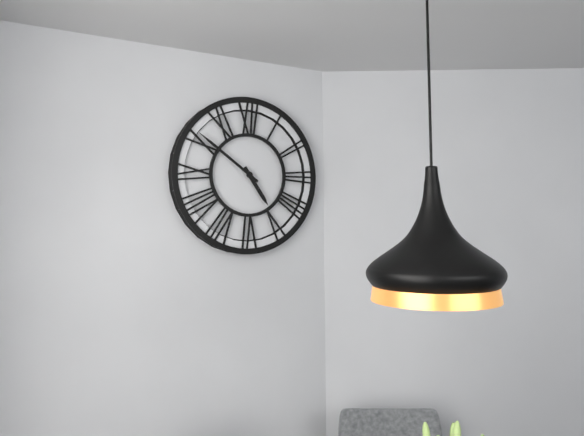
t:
4:51
